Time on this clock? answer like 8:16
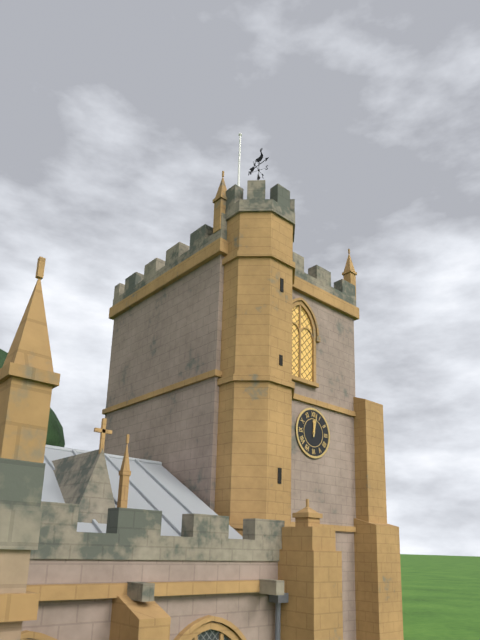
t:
12:02
